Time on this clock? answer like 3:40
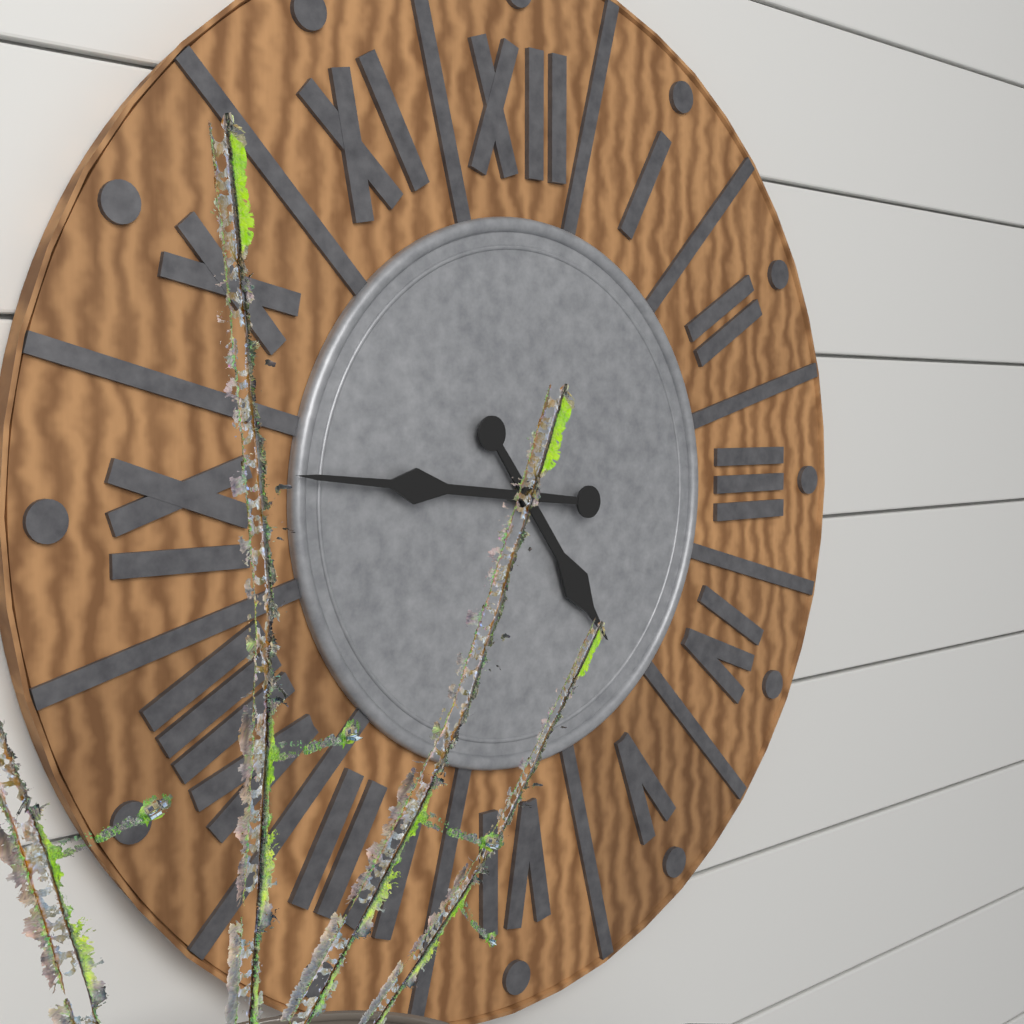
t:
4:46
